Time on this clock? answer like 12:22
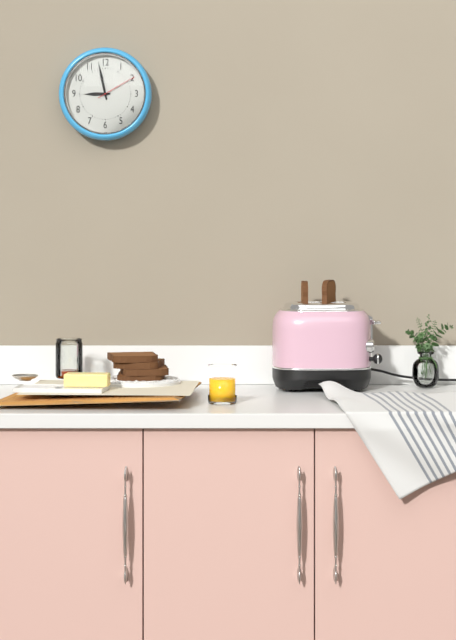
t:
8:58
